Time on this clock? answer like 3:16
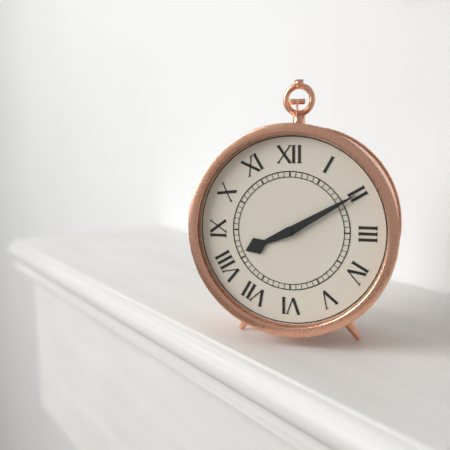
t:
8:10
